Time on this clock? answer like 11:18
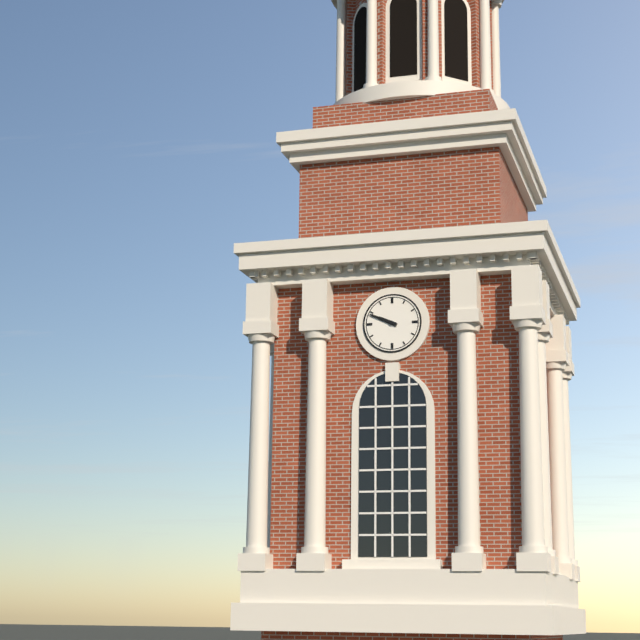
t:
9:49
